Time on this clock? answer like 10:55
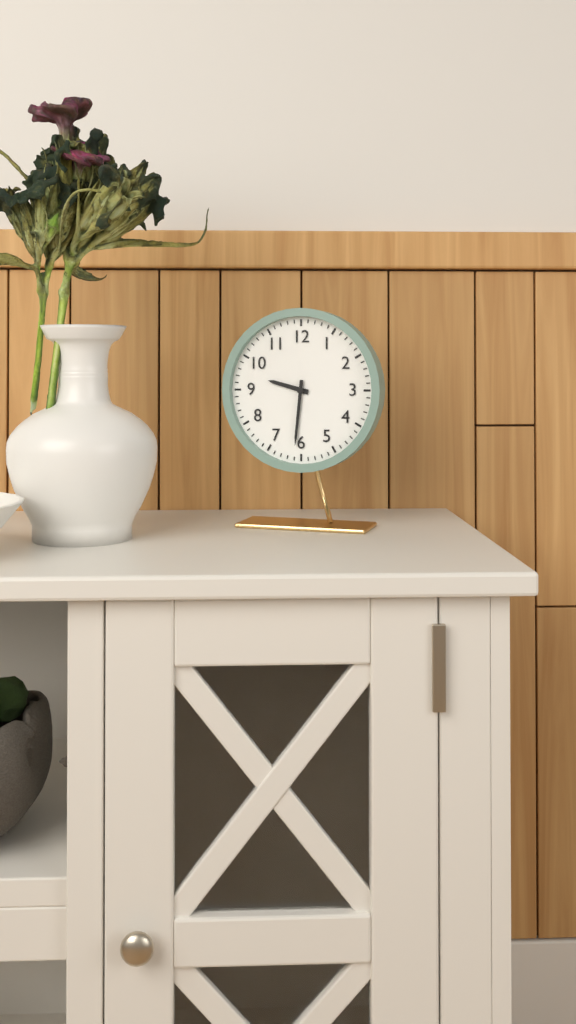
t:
9:31
